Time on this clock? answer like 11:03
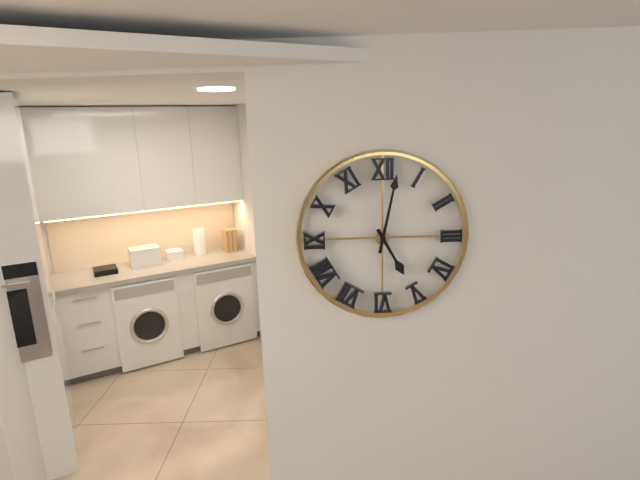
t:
5:02
